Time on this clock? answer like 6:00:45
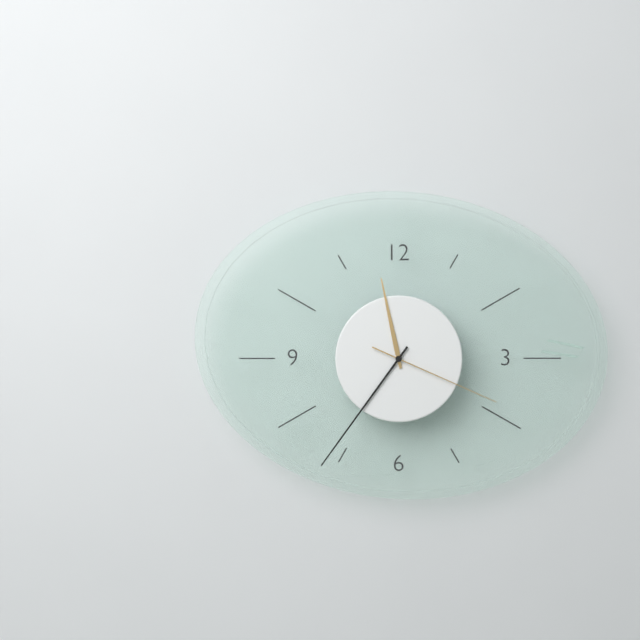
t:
11:36:19
